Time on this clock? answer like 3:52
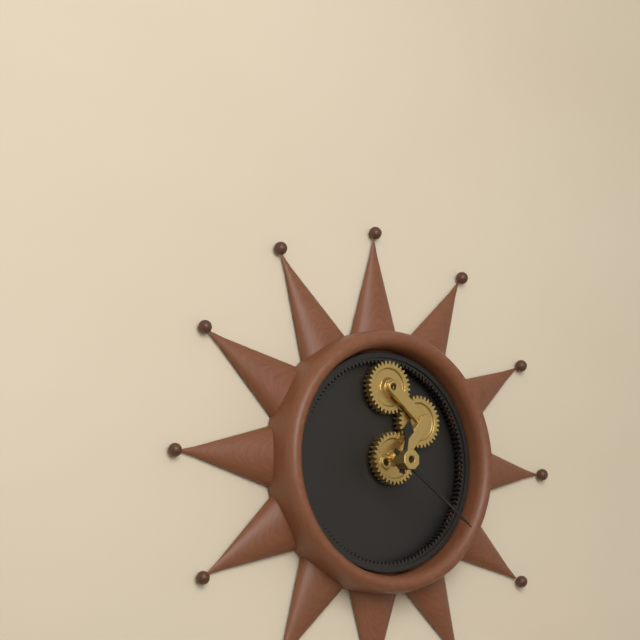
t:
12:21
